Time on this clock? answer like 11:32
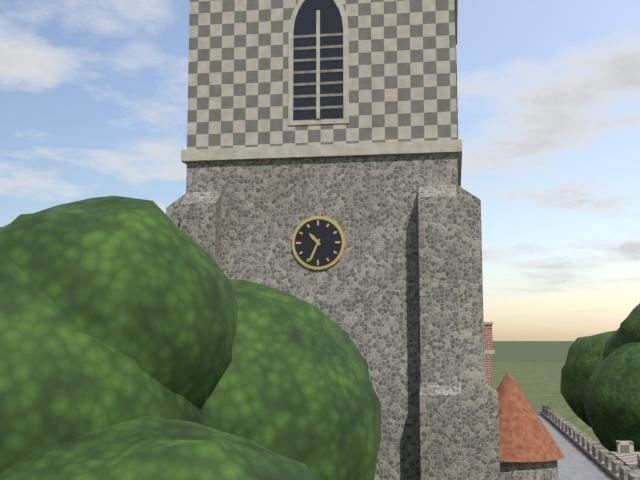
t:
10:34
